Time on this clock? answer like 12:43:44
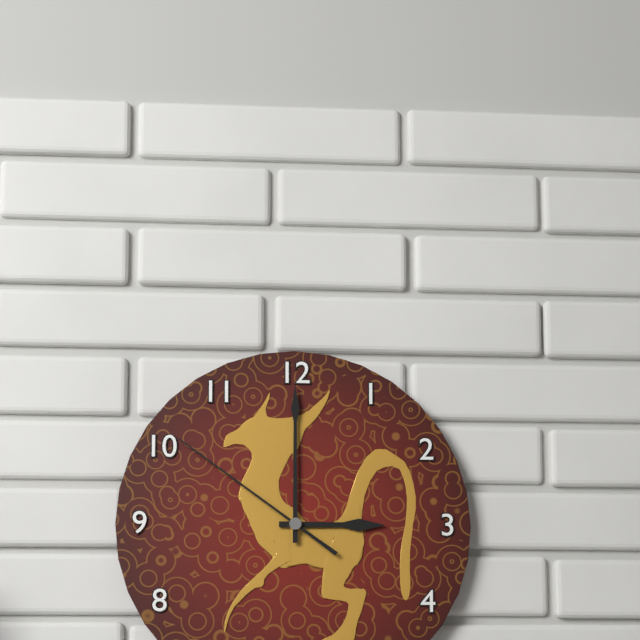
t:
3:00:51
